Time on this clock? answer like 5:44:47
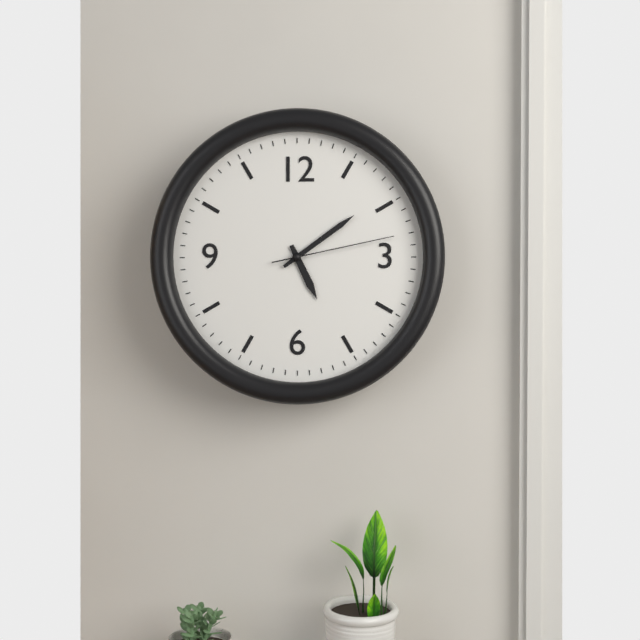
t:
5:09:13
